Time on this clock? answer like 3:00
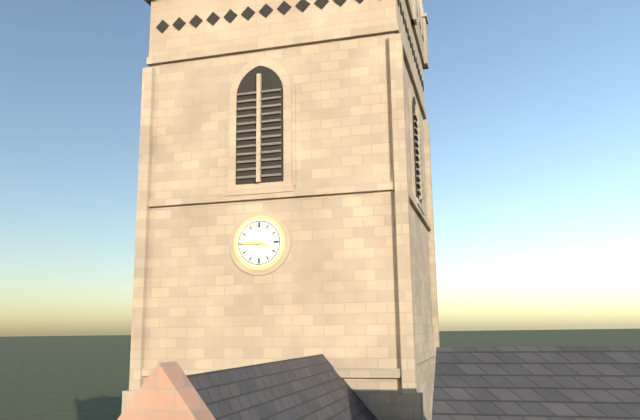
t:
3:45
